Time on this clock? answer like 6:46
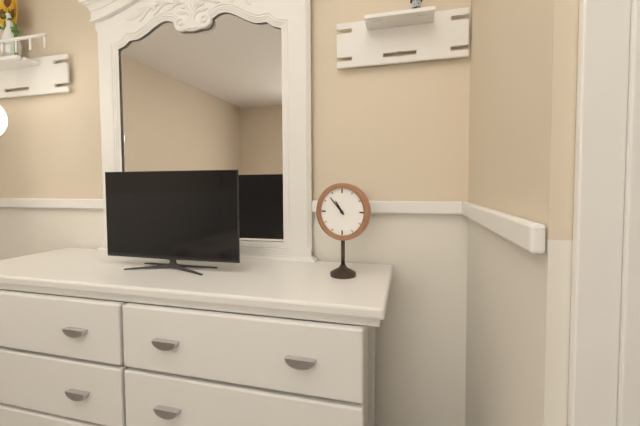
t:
10:53
